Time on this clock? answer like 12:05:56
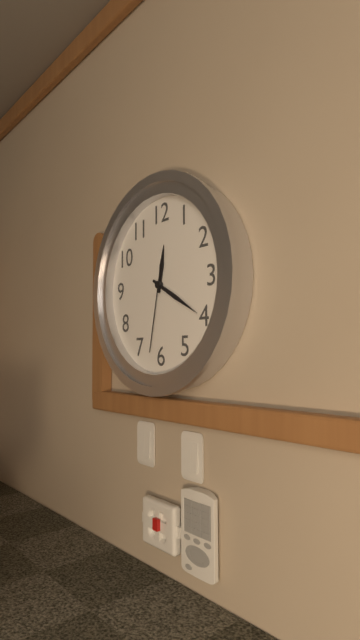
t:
12:20:32
